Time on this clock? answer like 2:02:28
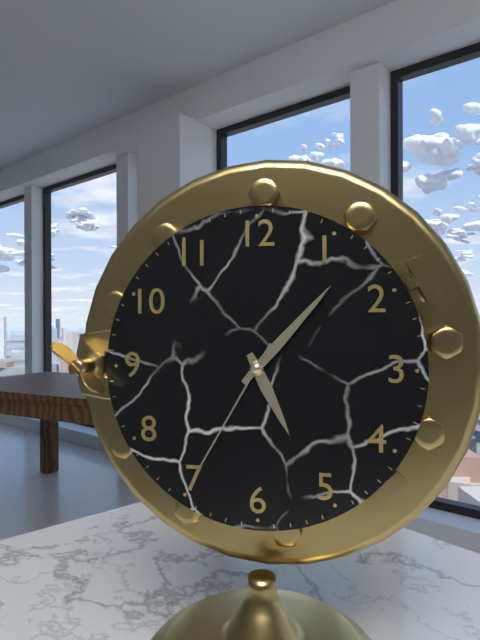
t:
5:07:35
